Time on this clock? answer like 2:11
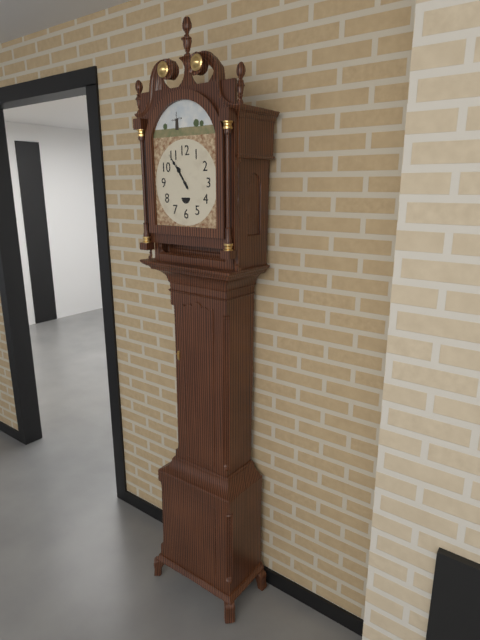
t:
10:54
